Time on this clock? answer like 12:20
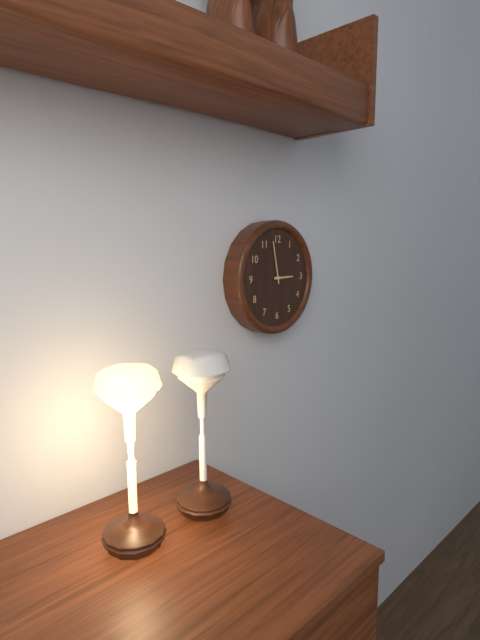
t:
2:58
